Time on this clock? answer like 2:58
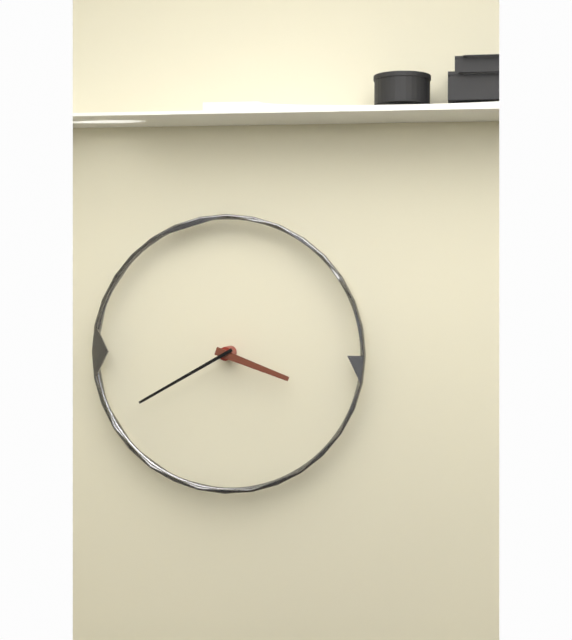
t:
3:40
